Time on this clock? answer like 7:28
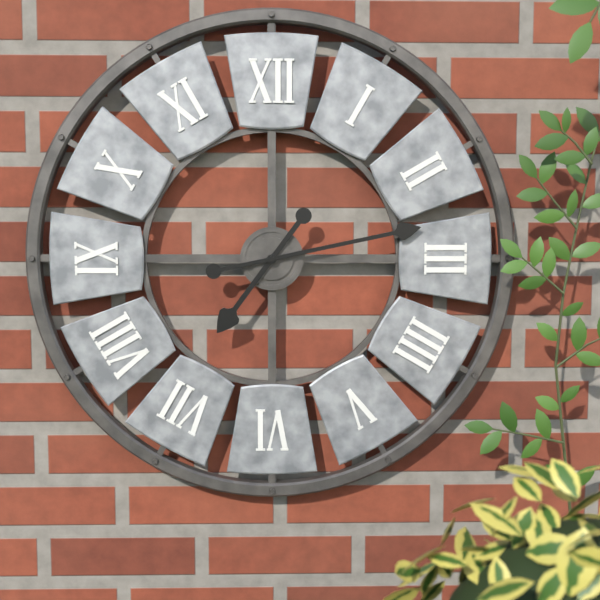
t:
7:13
